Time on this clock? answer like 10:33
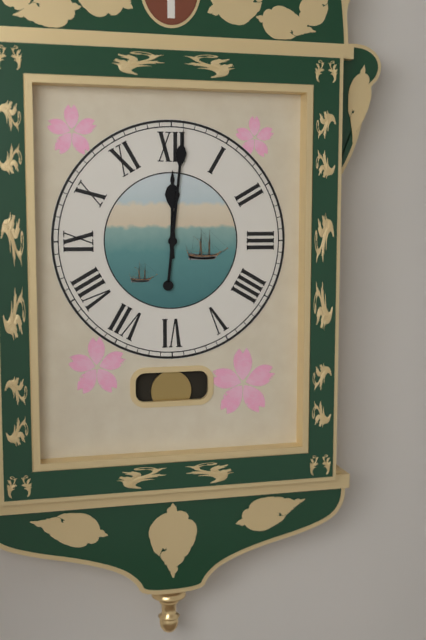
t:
12:01
